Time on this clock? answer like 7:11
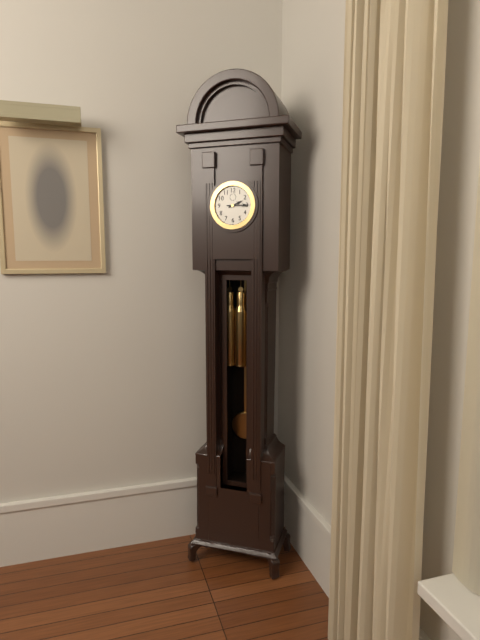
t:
2:15
